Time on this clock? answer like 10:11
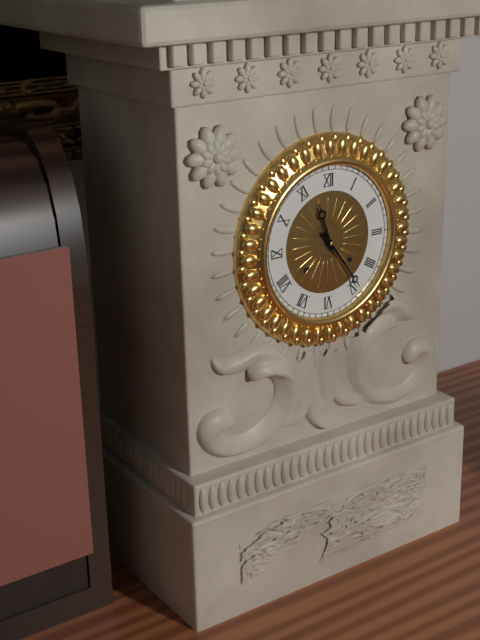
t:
11:24
